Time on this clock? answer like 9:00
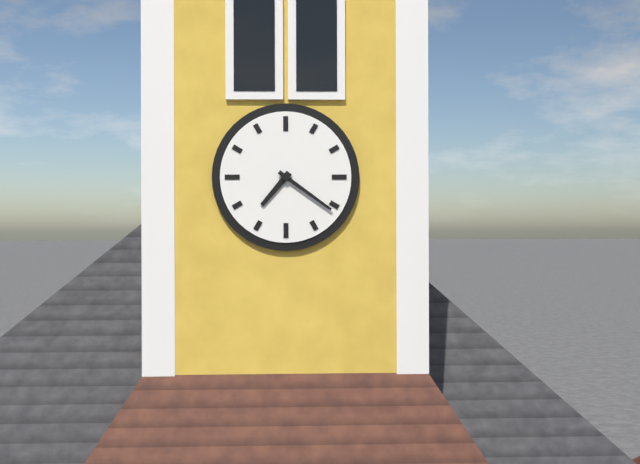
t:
7:21
